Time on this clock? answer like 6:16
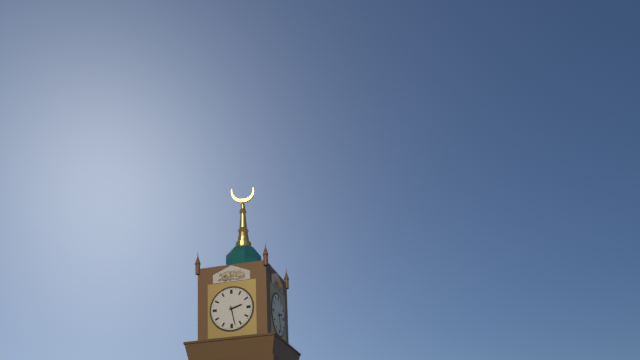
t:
2:28
